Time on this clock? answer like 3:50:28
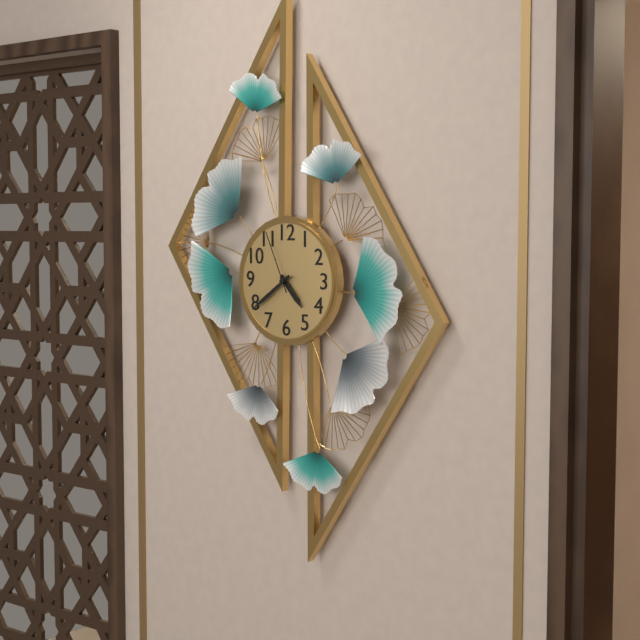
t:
4:39:56
